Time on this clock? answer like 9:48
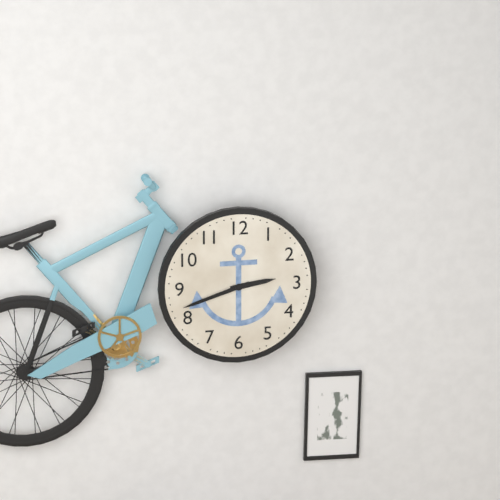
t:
2:42
